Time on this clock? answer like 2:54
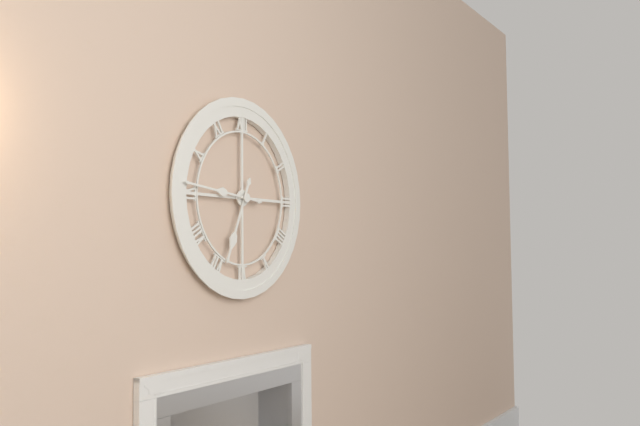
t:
6:46
